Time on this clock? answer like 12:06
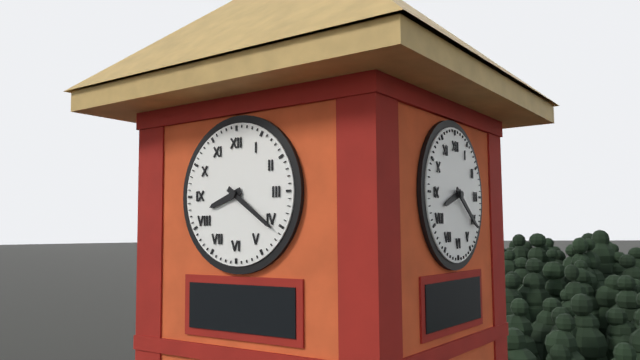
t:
8:21
